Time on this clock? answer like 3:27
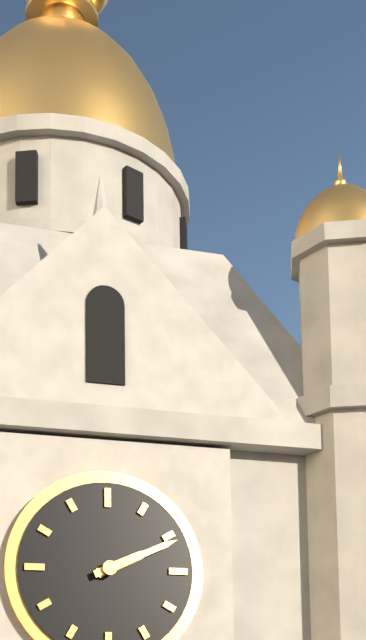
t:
2:11
